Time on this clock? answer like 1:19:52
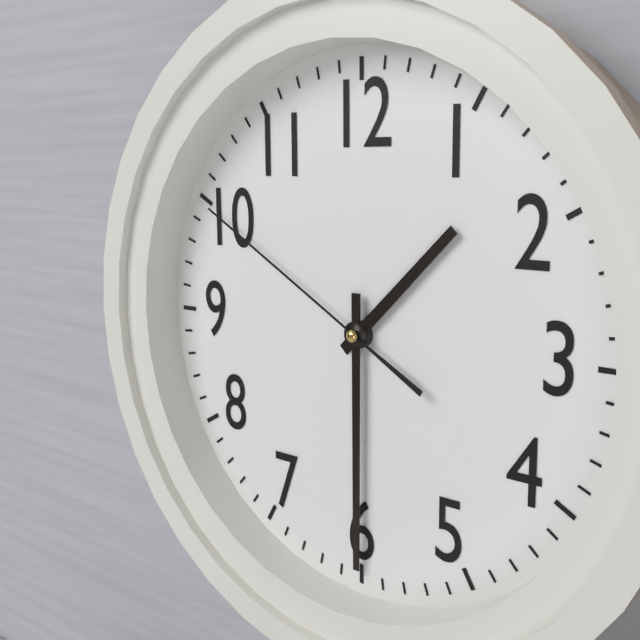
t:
1:30:50
